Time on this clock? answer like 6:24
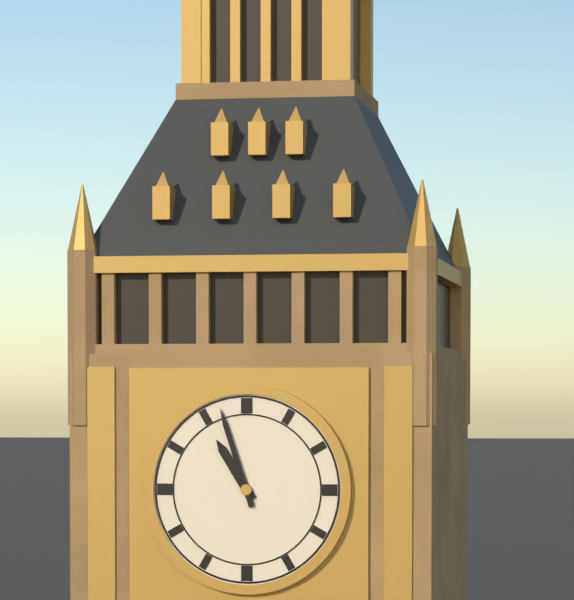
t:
10:57
